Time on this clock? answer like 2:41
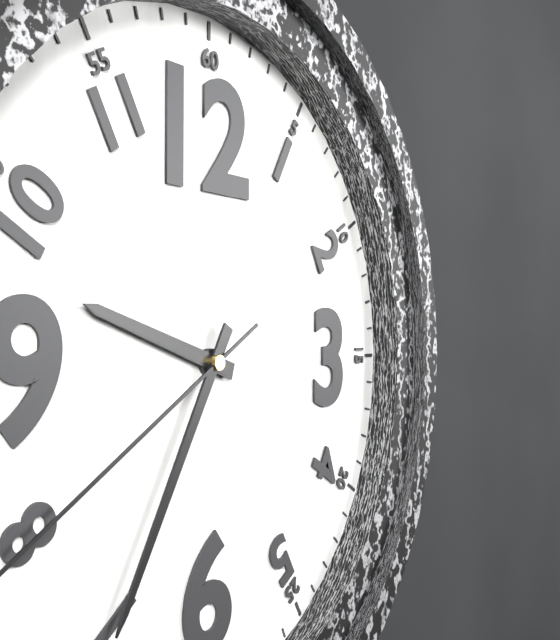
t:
9:35
